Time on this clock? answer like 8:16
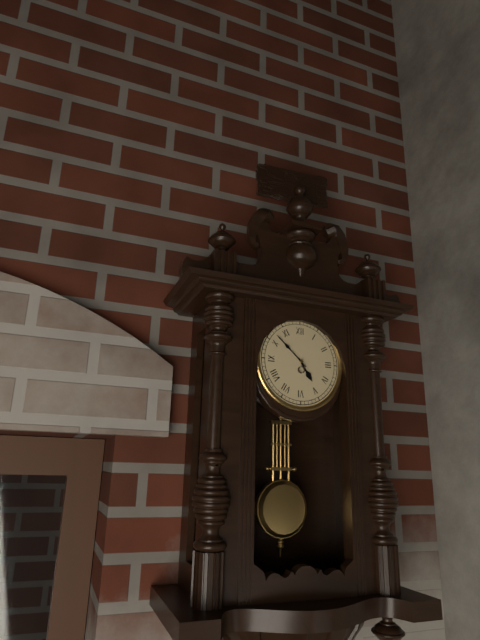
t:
4:52
